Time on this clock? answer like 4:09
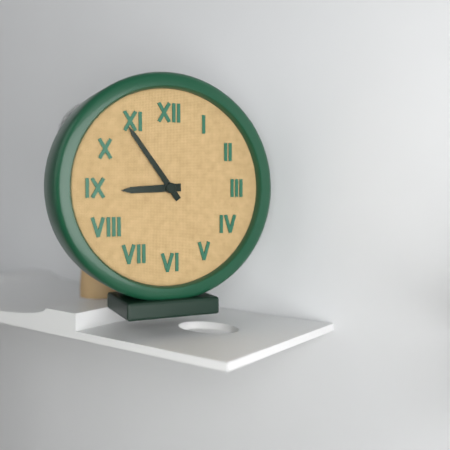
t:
8:54
